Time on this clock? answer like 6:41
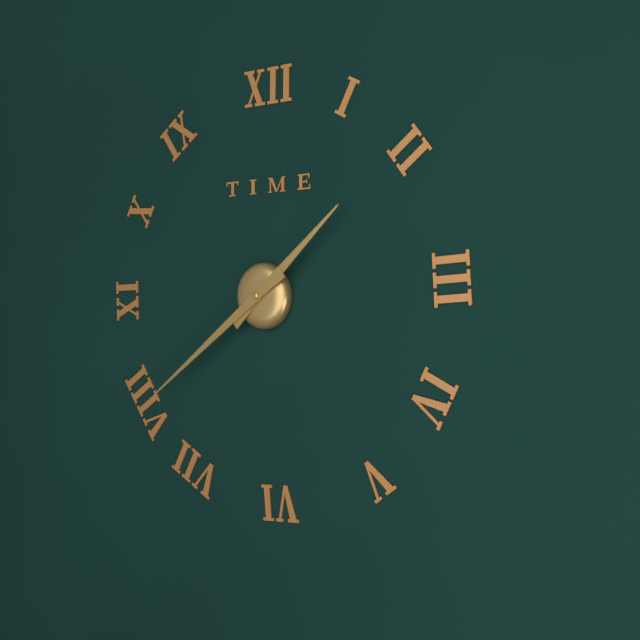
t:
1:39
